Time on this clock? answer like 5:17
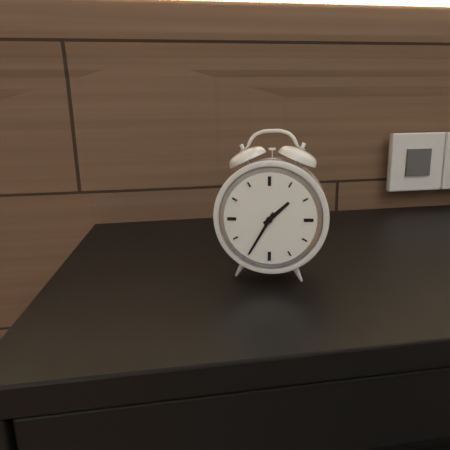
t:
1:35
